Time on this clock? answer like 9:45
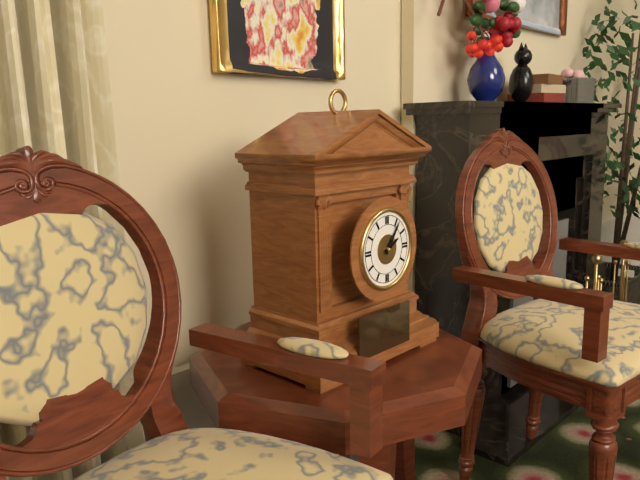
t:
2:06
